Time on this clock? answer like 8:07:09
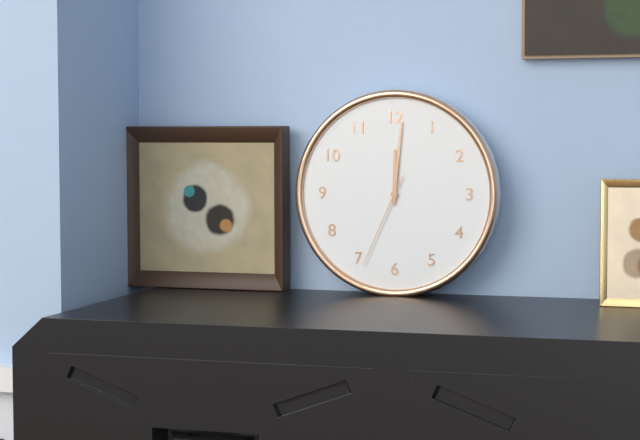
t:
12:01:34
